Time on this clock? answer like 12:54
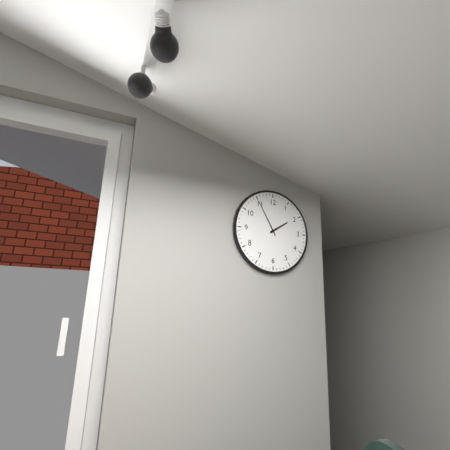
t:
1:55
